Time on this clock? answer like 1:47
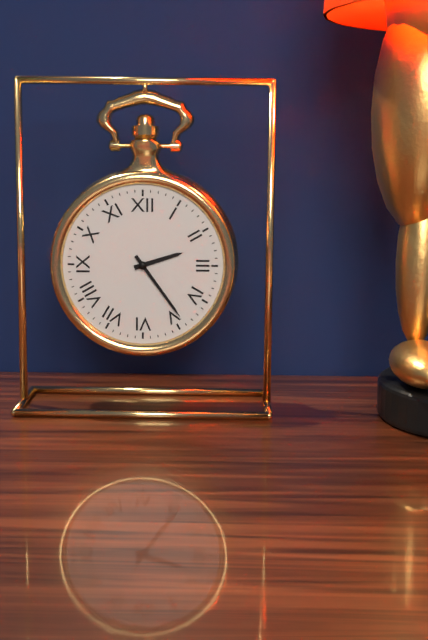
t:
2:24
